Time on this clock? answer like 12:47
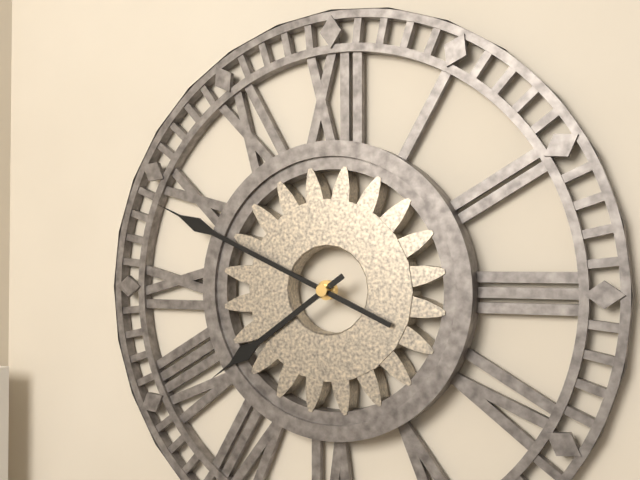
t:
7:49
